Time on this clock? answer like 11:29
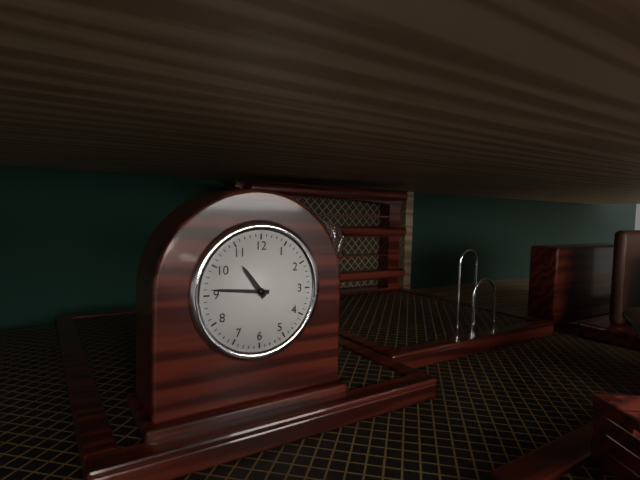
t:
10:46
